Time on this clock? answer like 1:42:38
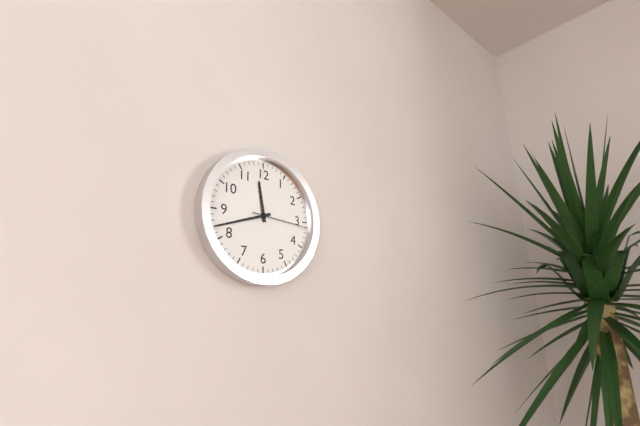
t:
11:42:16
